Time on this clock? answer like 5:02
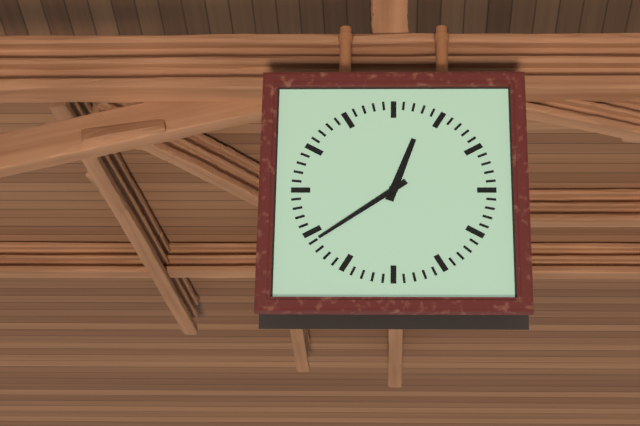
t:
12:39
